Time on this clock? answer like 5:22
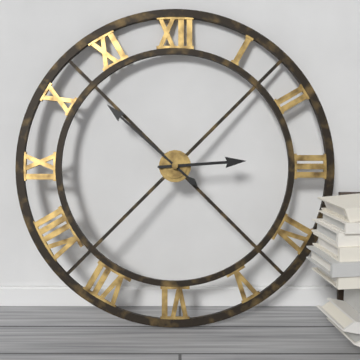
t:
2:52
